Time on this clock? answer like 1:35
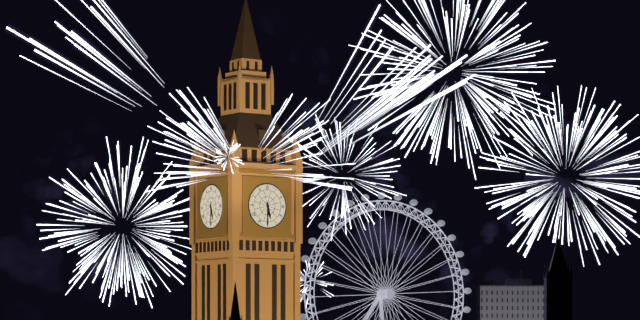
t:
5:30
